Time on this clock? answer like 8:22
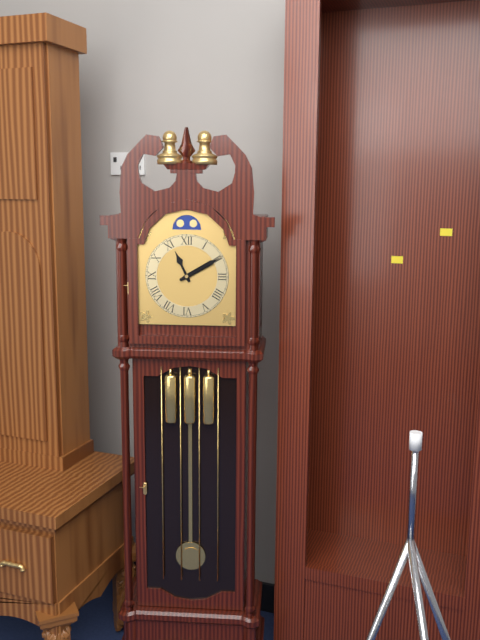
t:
11:10
